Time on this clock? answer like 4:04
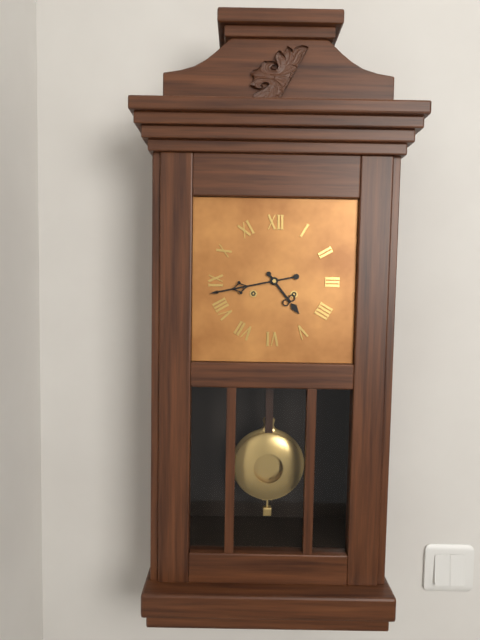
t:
4:43
